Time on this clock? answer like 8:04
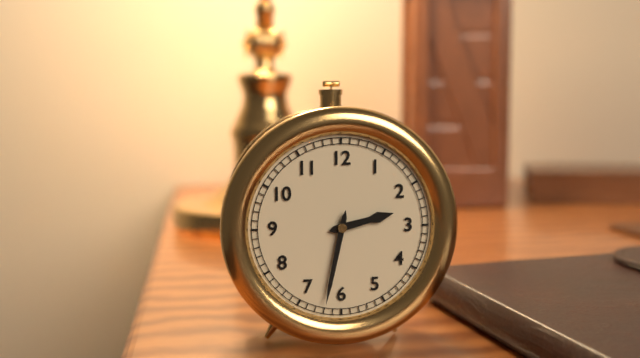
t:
2:32
